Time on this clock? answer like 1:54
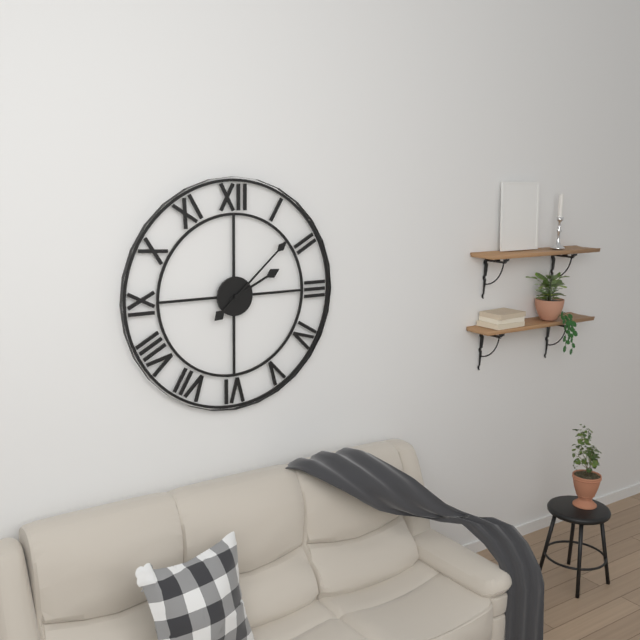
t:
2:08
